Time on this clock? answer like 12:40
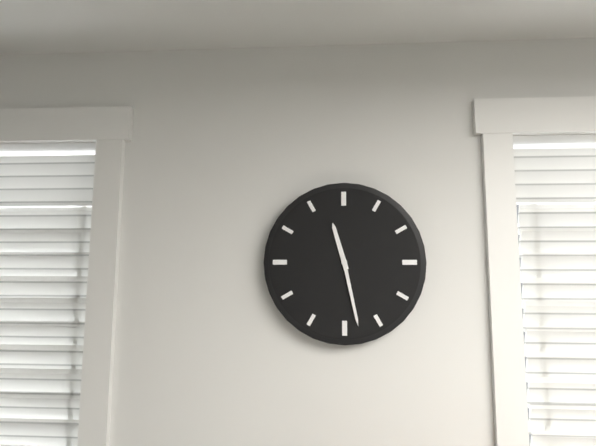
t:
11:28
